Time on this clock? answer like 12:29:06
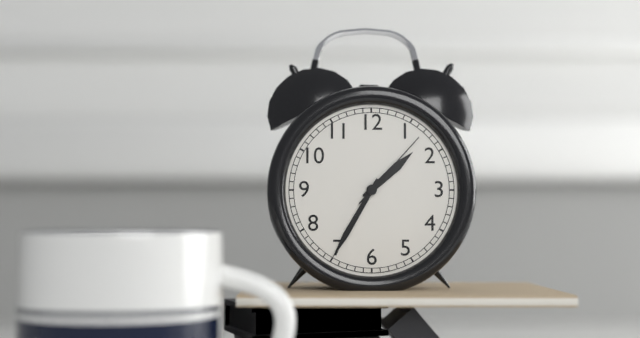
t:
1:35:07
